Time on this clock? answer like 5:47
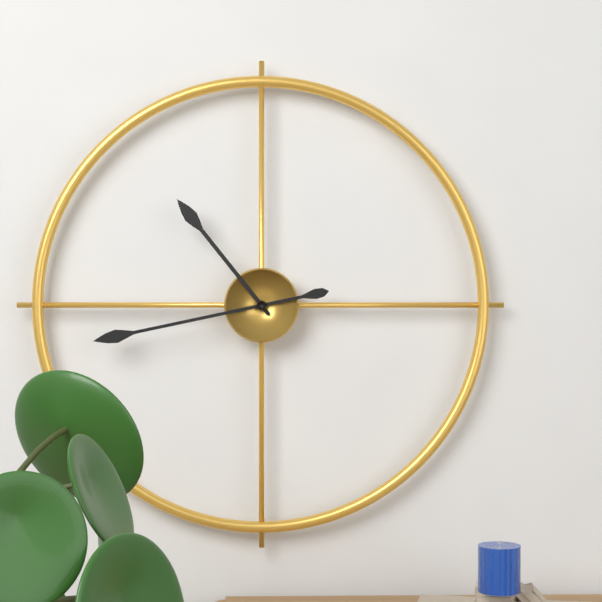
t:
10:43
